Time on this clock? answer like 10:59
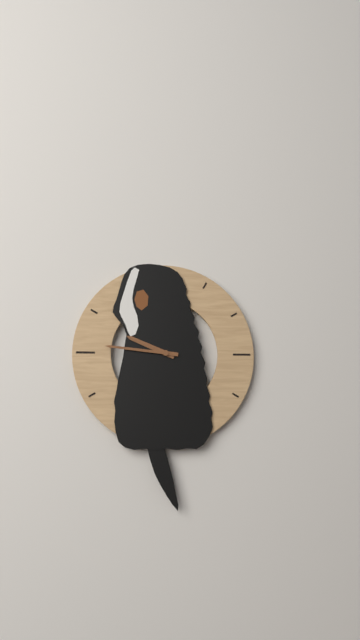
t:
9:46
